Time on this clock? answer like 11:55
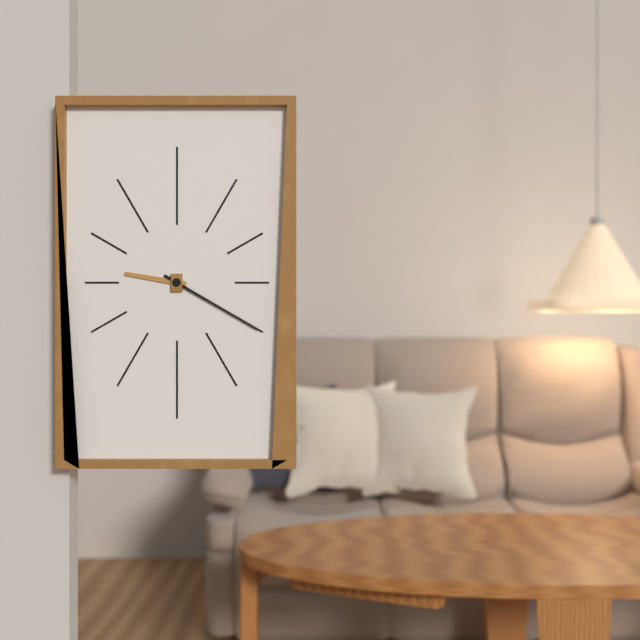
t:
9:20
